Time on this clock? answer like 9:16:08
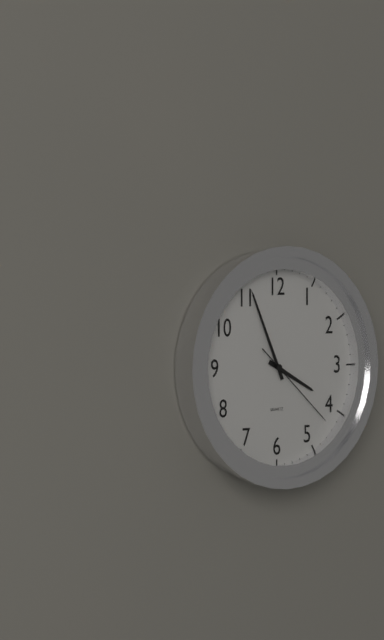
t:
3:56:22
